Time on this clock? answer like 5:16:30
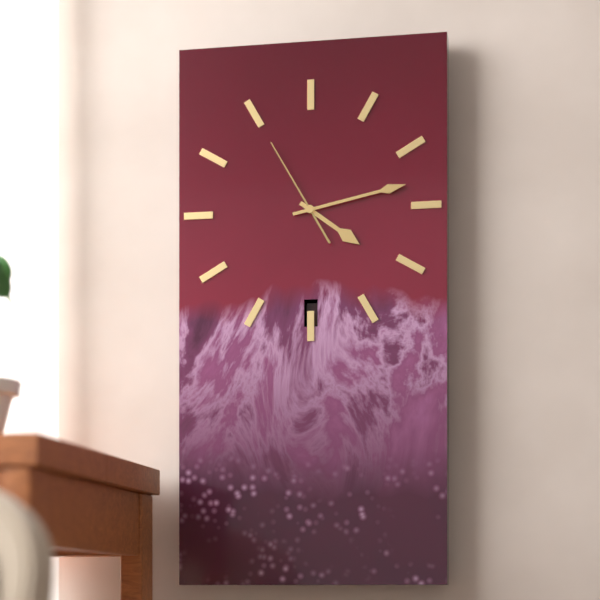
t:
4:13:55
